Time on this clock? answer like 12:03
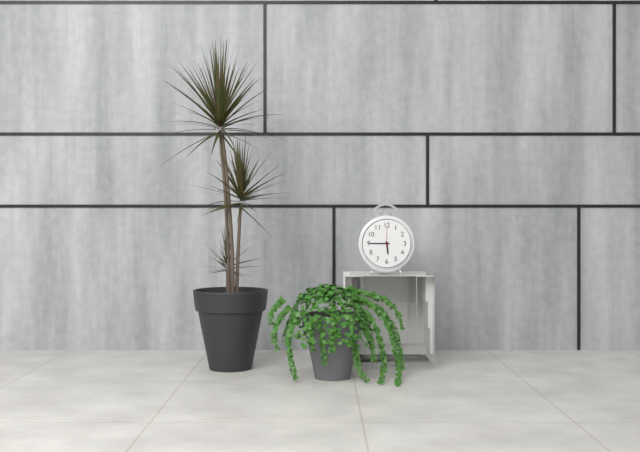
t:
5:45
